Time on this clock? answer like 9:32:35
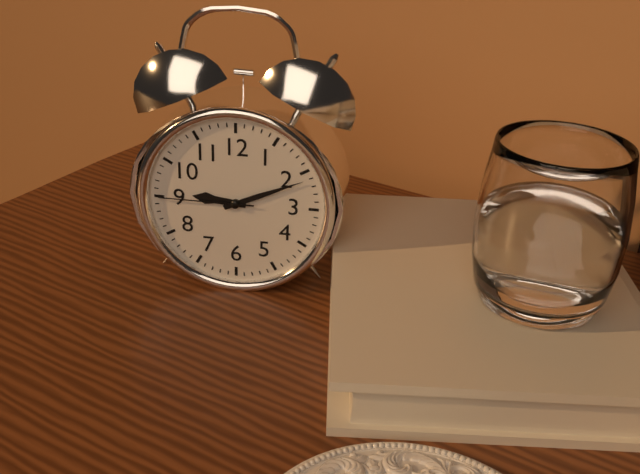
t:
9:11:45
